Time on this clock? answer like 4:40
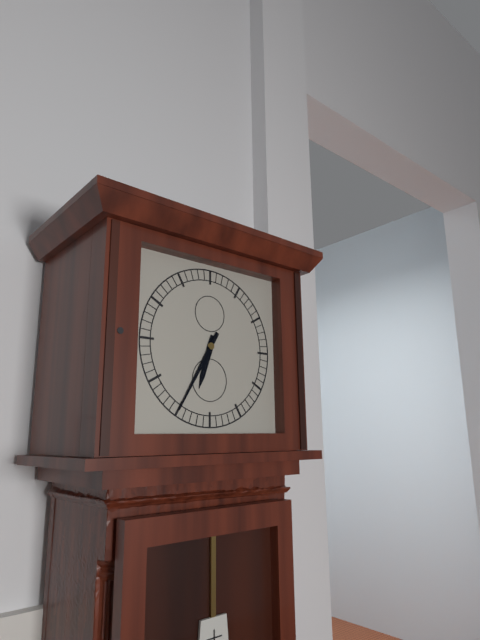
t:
6:35
